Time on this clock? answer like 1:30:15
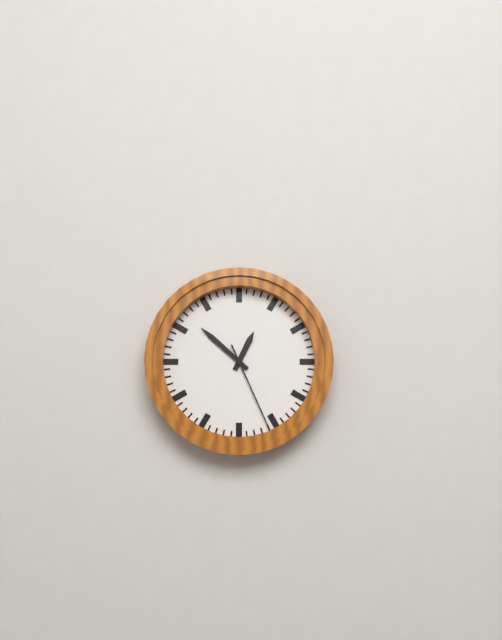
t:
12:52:26
